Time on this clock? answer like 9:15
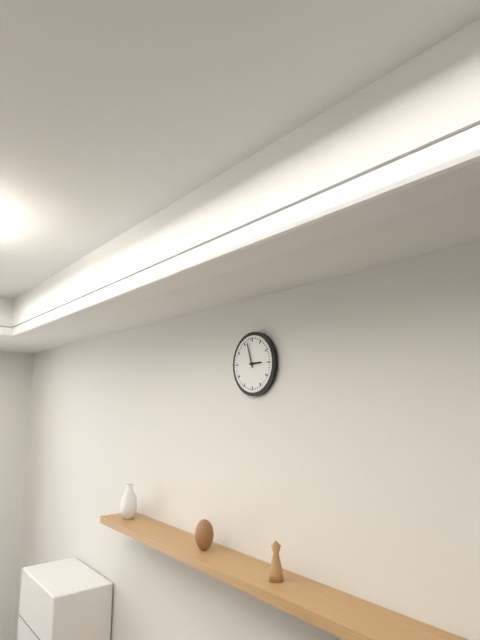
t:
2:57
